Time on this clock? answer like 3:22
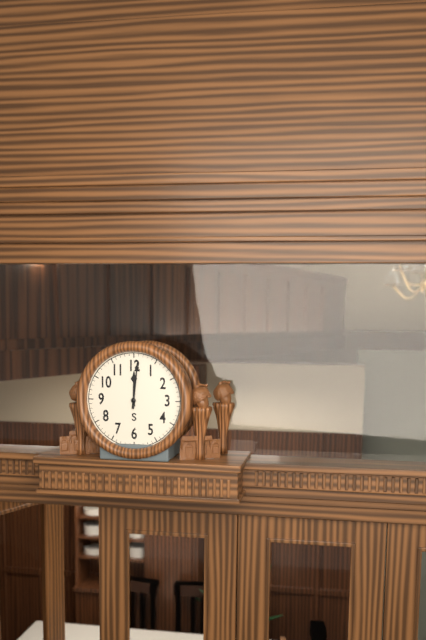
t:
12:01
